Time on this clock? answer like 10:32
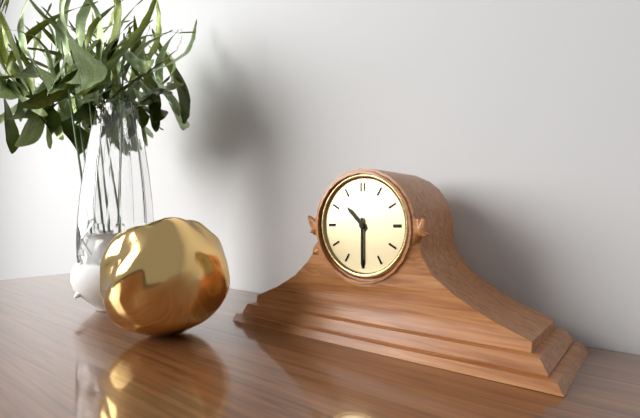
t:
10:30
